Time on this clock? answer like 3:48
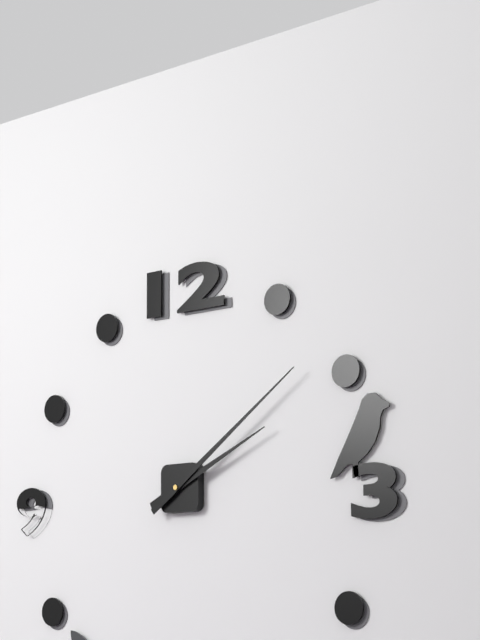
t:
2:09
